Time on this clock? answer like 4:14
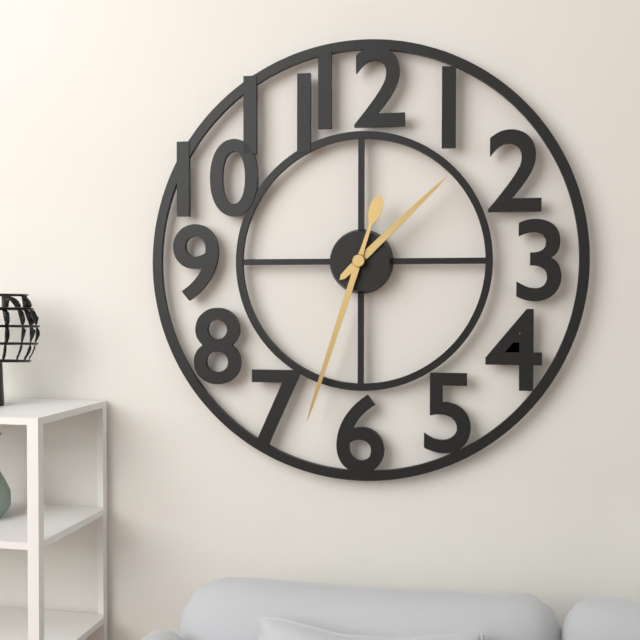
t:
1:33
